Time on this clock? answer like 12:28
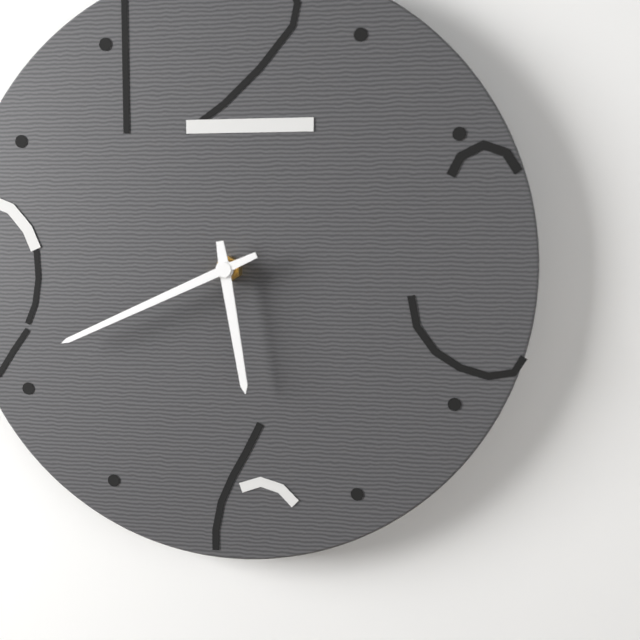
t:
5:41
